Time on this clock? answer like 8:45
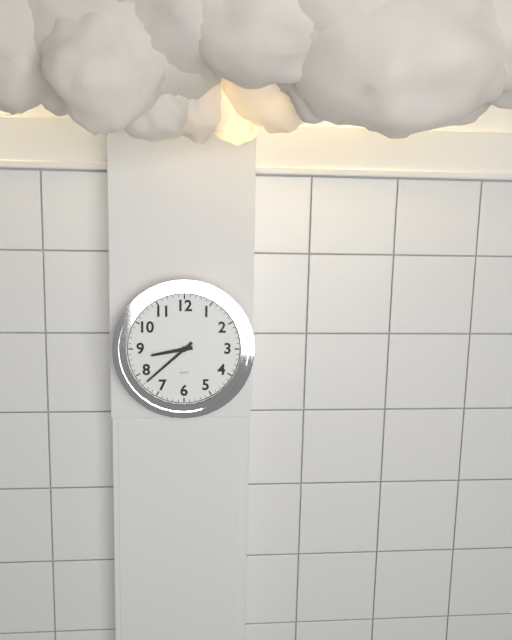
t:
8:38
